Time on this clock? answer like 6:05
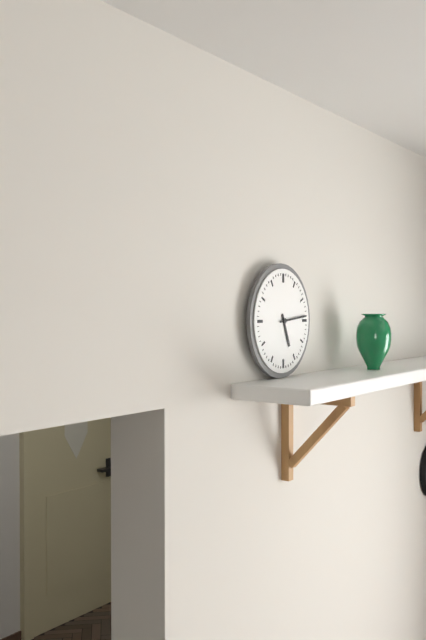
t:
5:14
